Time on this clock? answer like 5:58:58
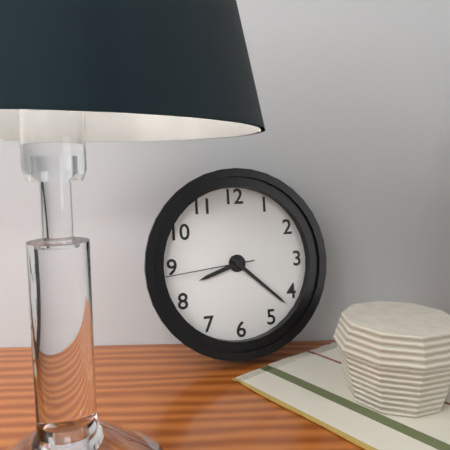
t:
8:22:44
